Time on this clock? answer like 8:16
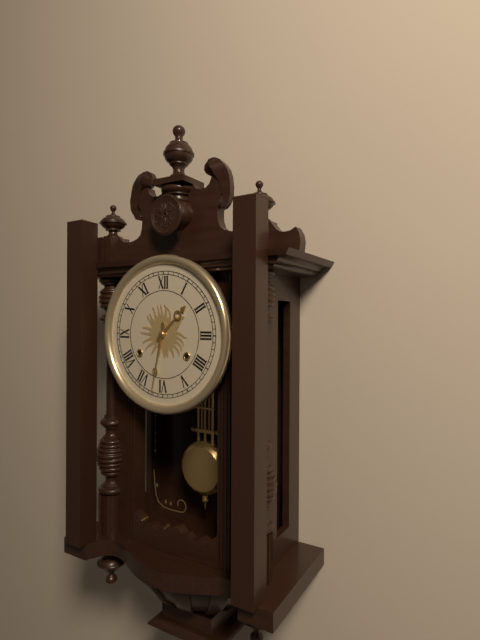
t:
1:32
